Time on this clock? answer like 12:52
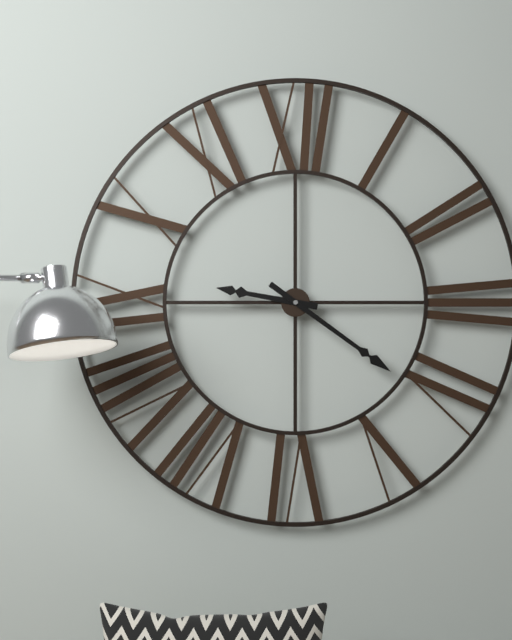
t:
9:21
